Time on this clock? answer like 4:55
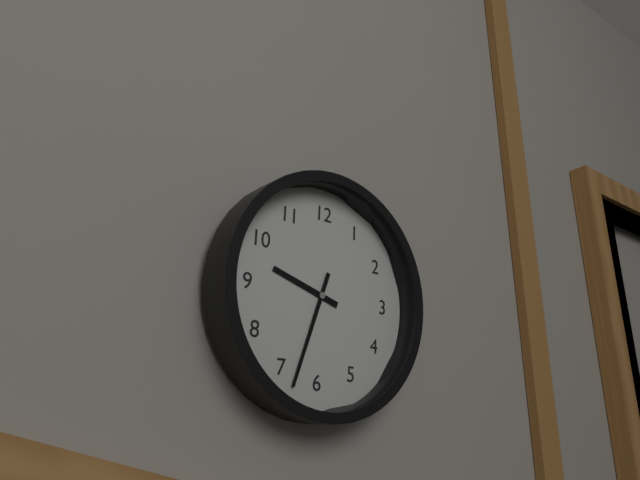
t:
9:33
